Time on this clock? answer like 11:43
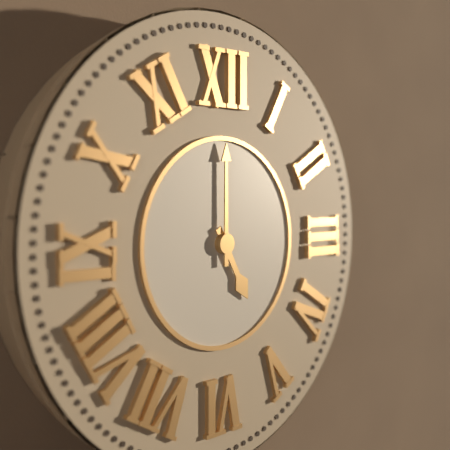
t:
5:00
